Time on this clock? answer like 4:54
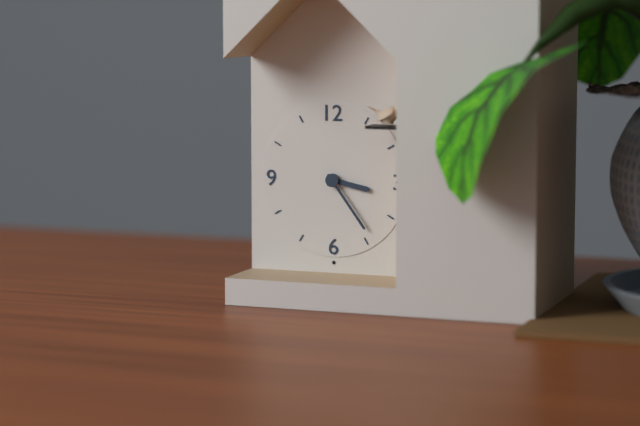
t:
3:24
